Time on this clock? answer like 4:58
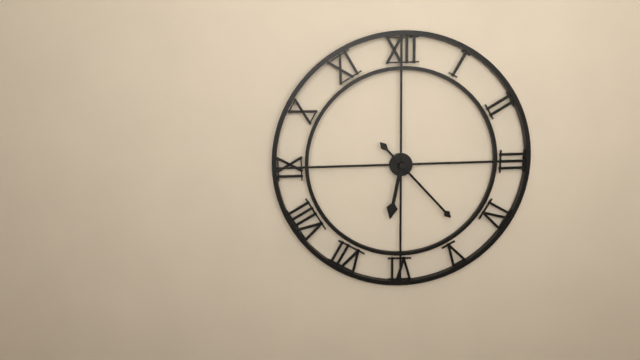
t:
6:23
